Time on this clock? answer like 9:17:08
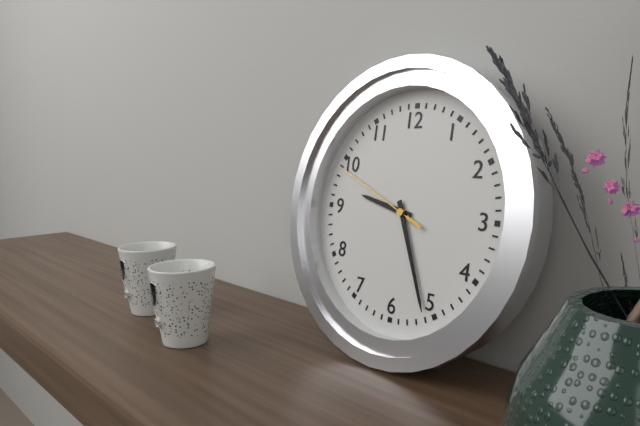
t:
9:26:49
